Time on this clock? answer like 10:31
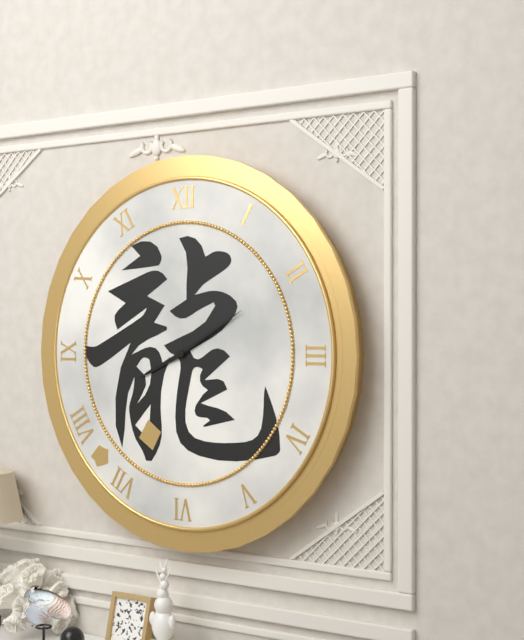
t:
8:10
